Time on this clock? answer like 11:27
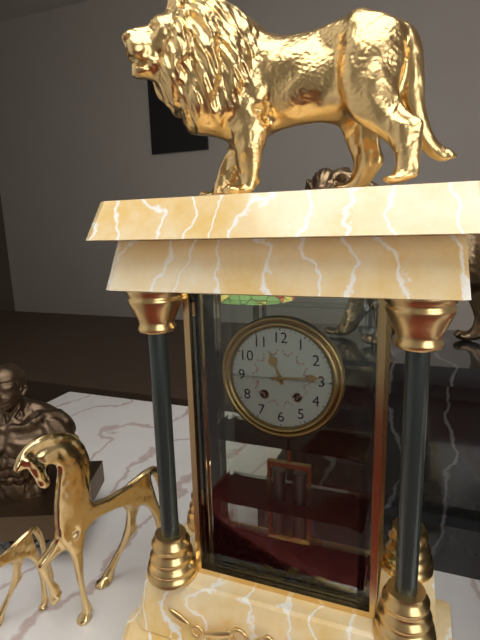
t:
11:14
